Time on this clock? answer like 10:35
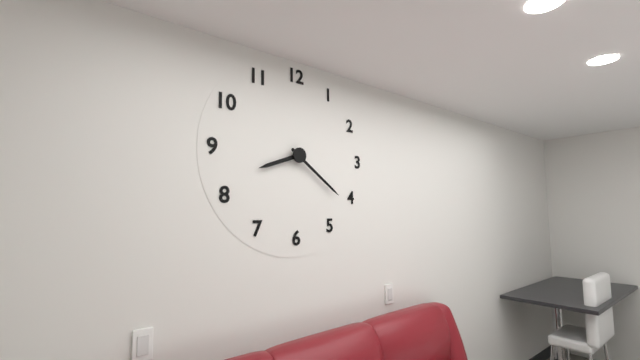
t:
8:21
